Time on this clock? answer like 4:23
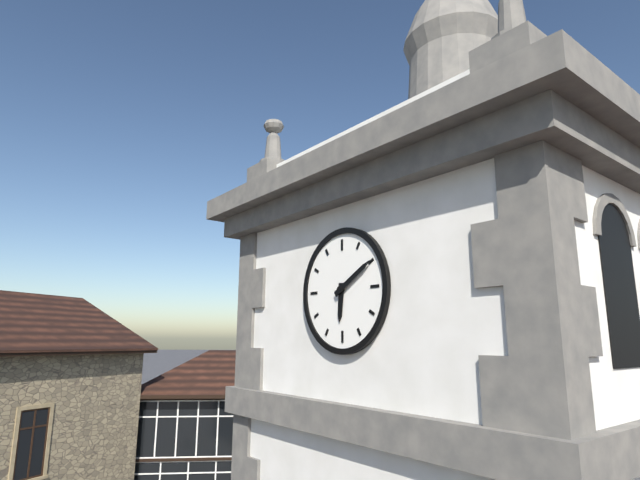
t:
6:10
